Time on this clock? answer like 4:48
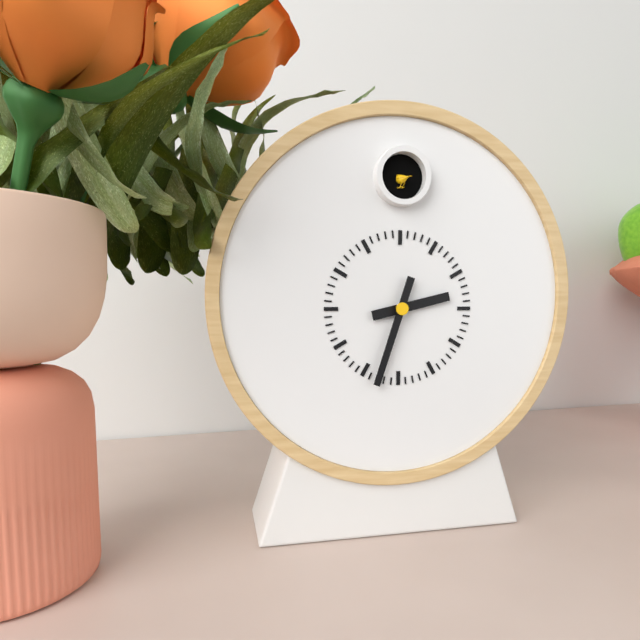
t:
2:33
